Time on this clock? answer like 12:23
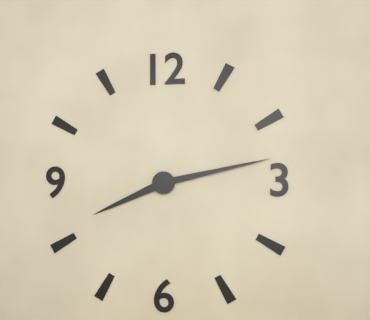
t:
8:13
